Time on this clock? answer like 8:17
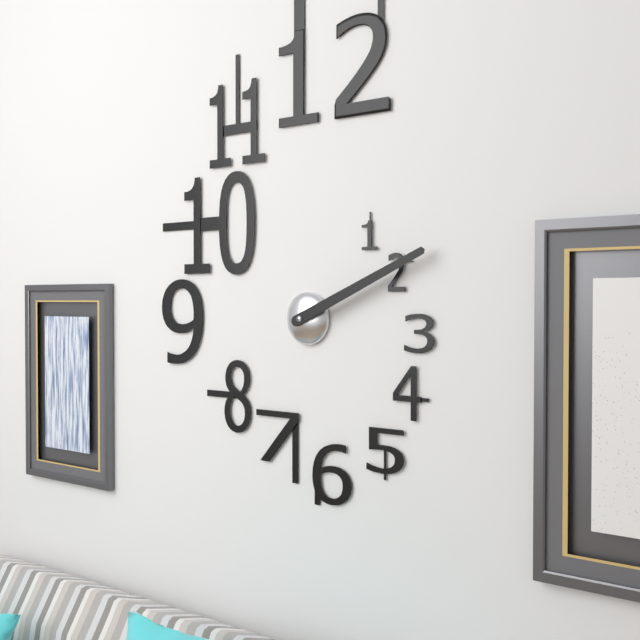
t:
2:11
